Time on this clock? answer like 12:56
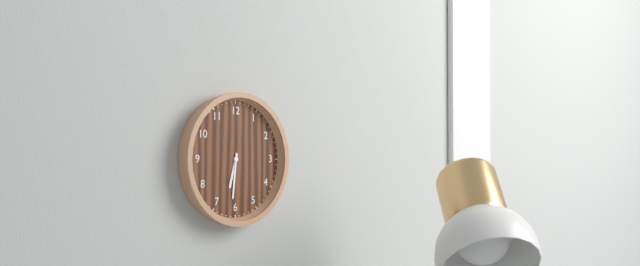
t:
6:31
